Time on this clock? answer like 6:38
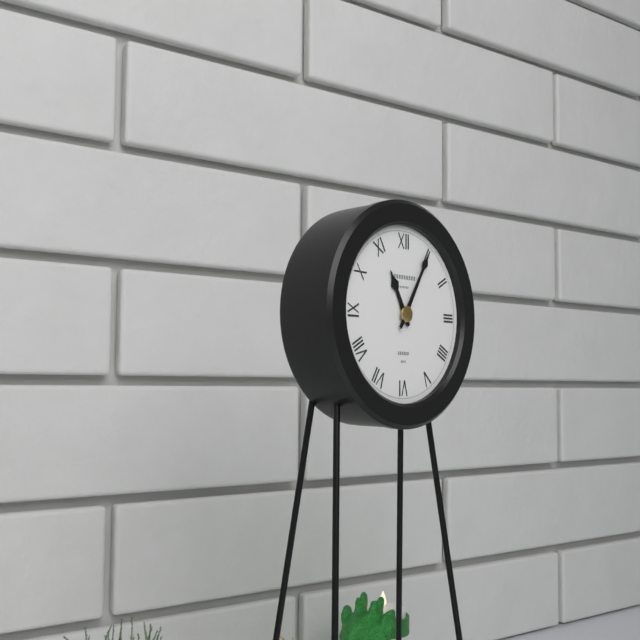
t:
11:05
